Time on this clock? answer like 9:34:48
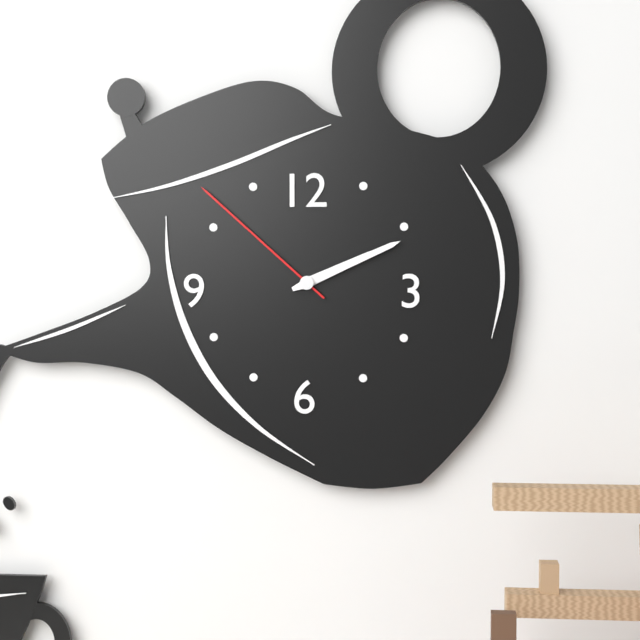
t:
2:11:52
